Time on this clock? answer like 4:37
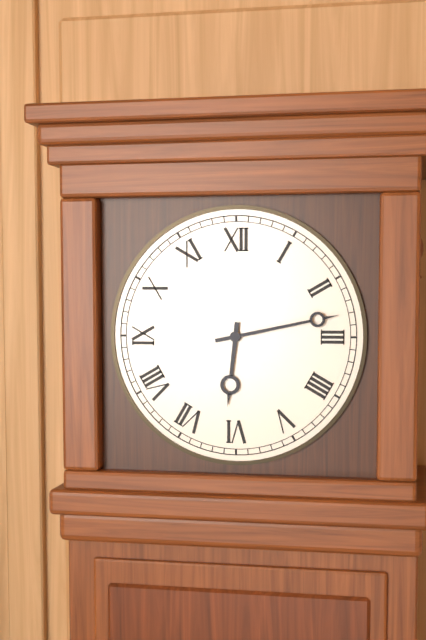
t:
6:13
